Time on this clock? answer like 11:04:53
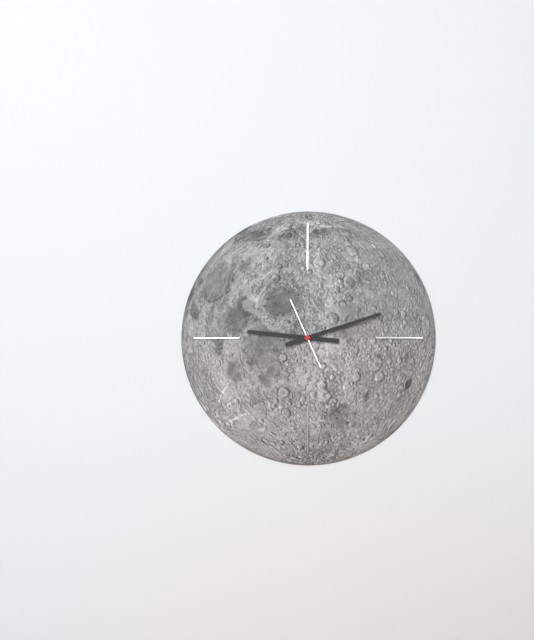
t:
9:12:56
